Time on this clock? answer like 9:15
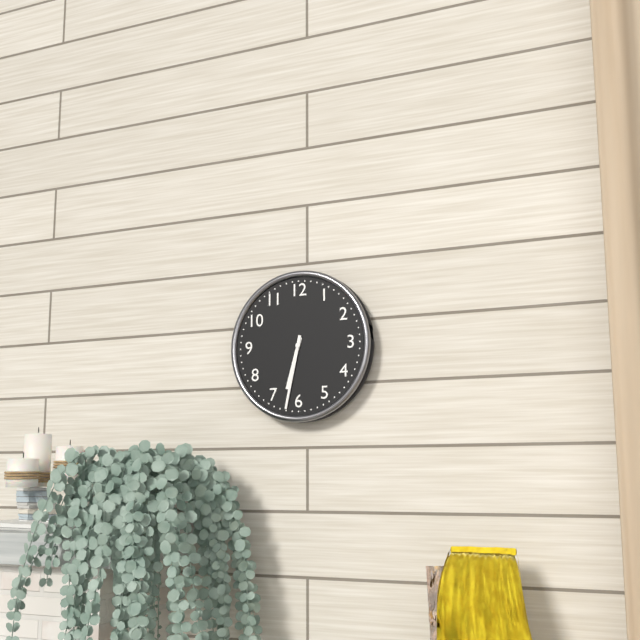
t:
6:32
